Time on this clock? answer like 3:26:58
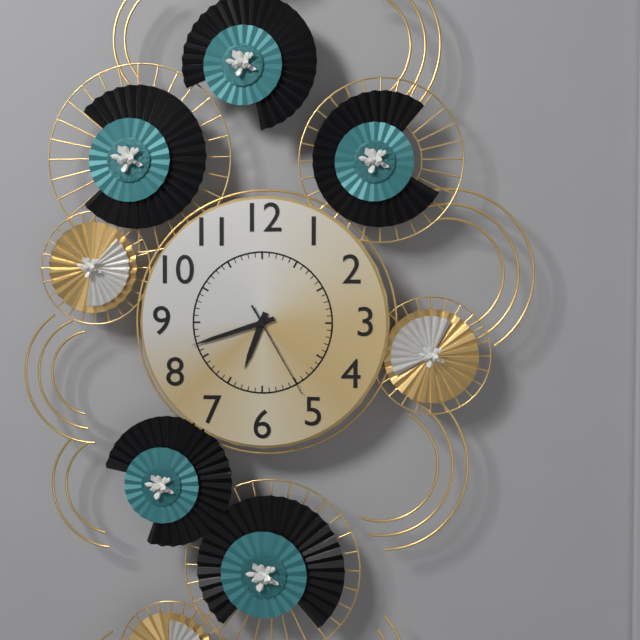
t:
6:42:25
